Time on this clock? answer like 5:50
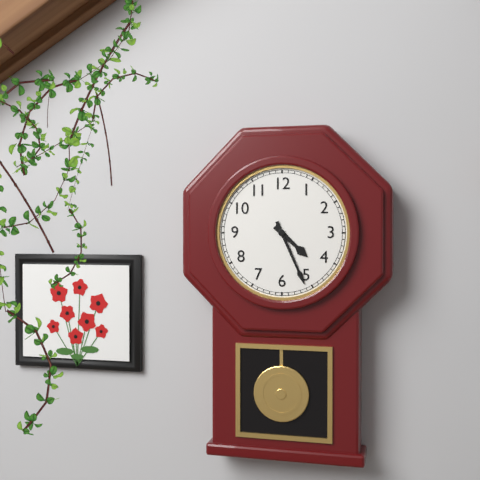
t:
4:26
